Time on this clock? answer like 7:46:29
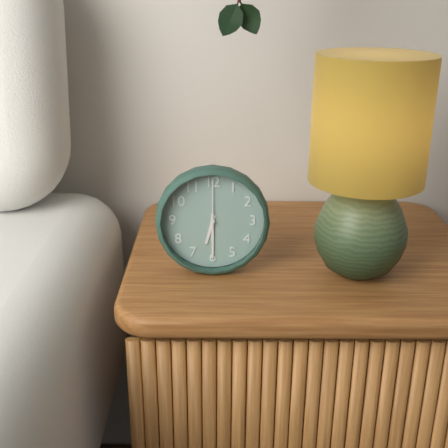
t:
6:30:00
